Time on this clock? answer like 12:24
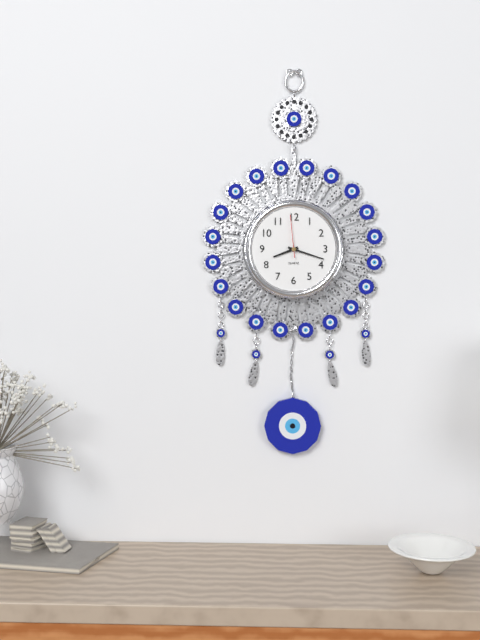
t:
8:18
